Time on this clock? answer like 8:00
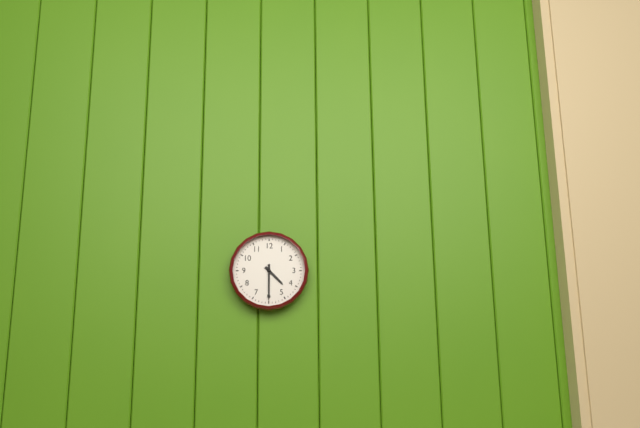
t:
4:30
